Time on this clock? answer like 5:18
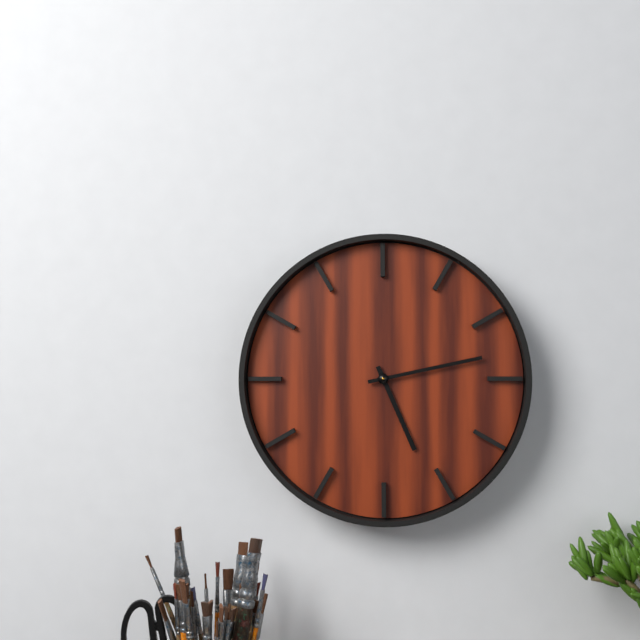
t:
5:13
